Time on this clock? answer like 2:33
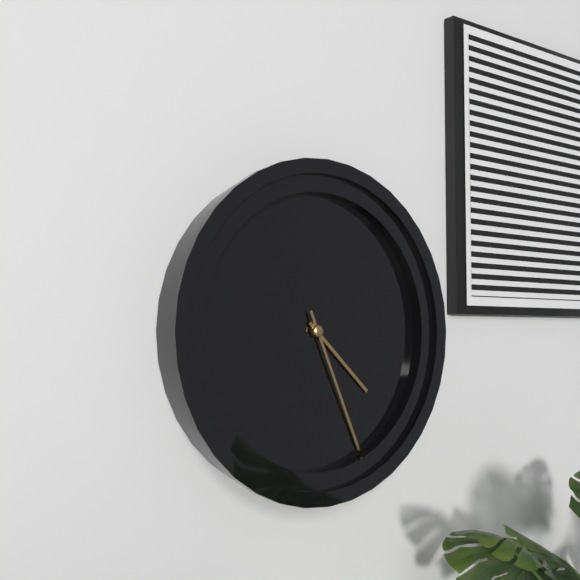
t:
4:26
